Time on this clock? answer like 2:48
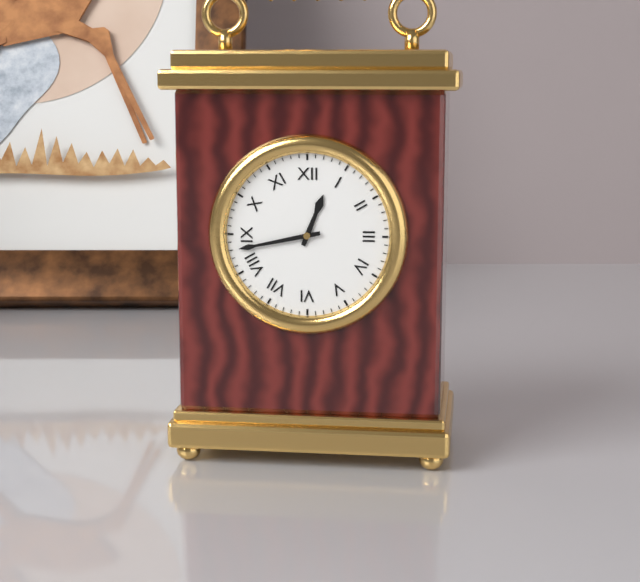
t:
12:43
